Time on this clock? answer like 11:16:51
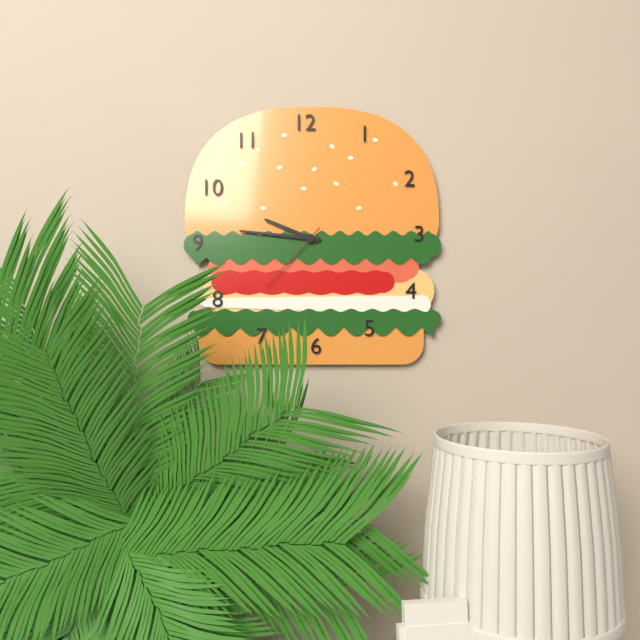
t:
9:46:37
